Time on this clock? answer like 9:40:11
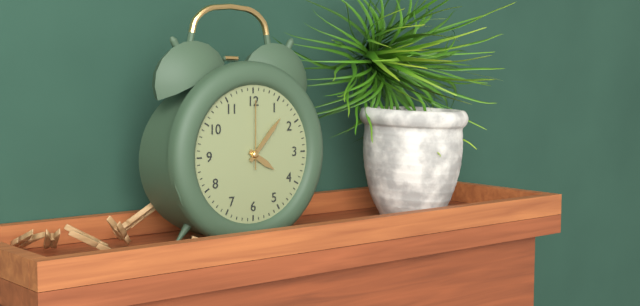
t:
4:07:00
